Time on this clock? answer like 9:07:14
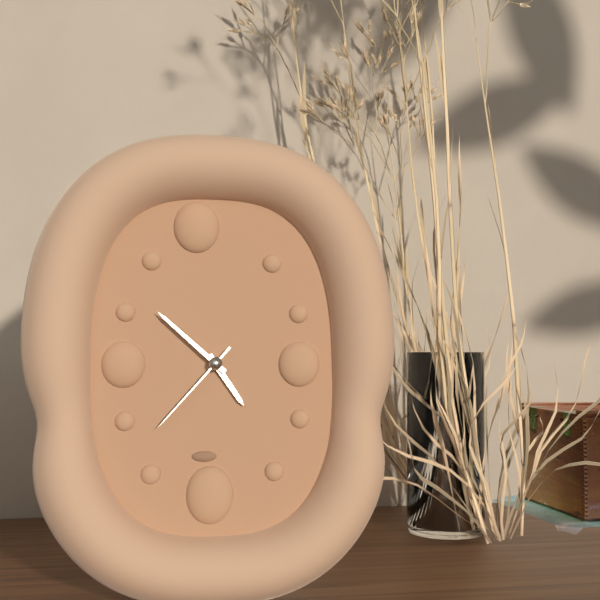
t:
4:52:37
